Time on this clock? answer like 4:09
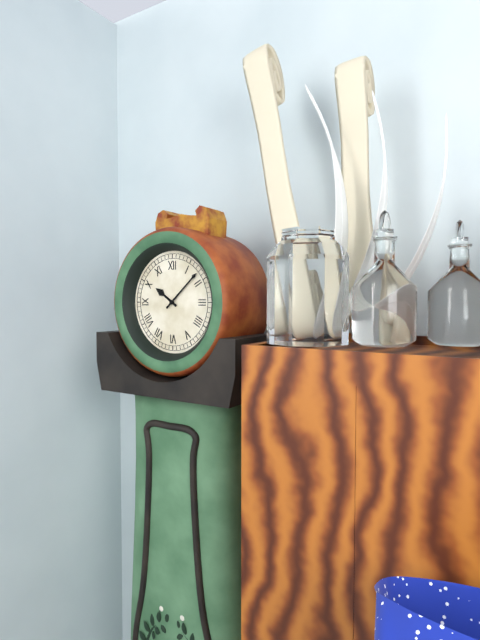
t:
10:08
